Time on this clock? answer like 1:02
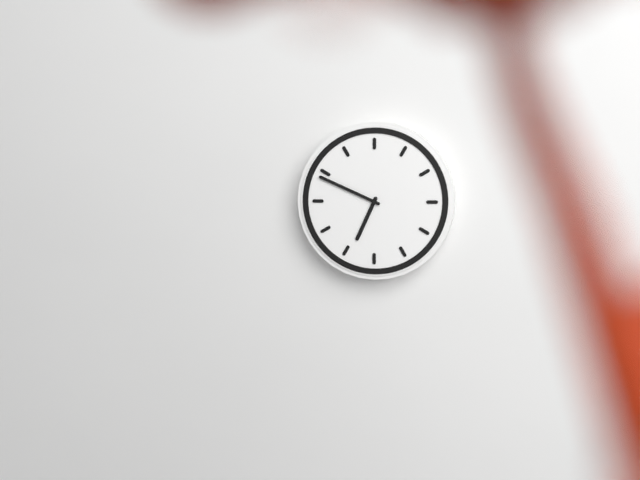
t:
6:49
